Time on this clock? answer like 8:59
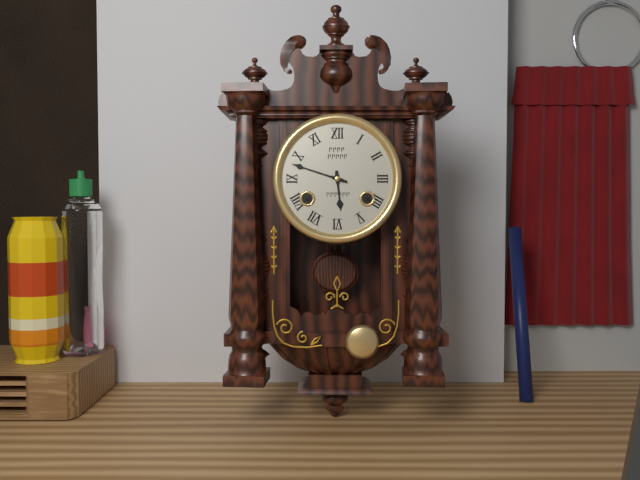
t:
5:48
